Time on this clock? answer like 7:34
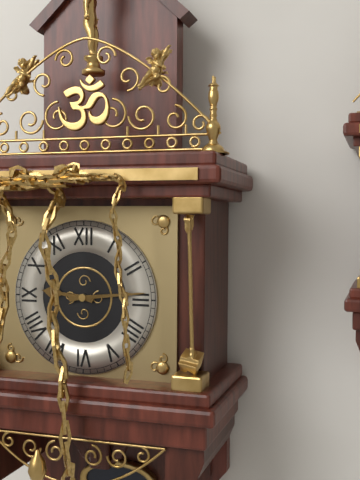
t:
9:14
